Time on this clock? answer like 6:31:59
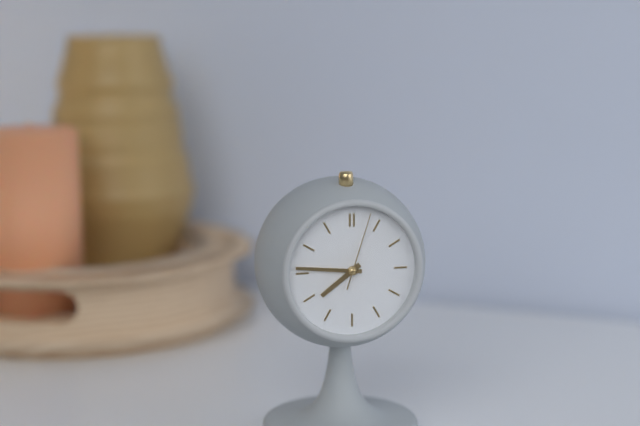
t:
7:46:03
